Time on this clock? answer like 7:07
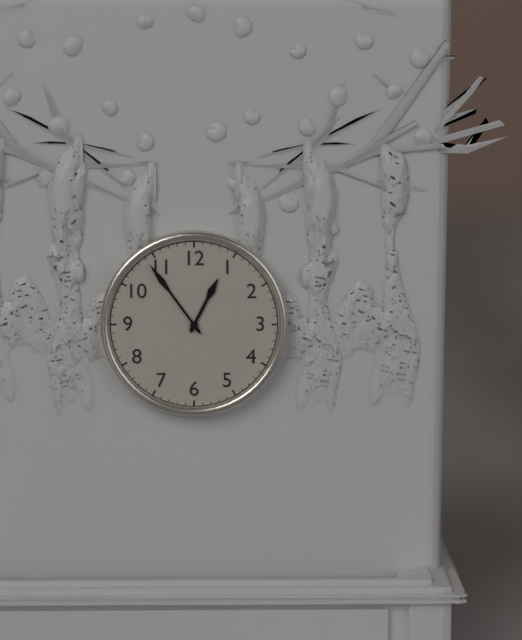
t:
12:54
